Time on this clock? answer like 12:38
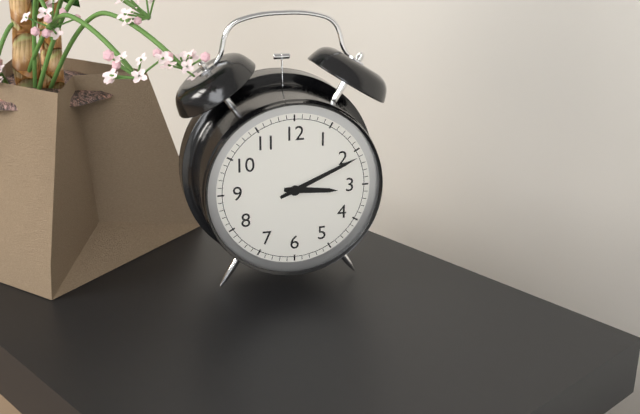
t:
3:11
